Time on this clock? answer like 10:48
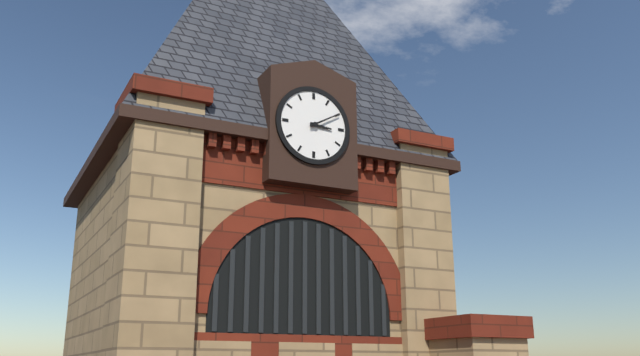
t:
3:10
